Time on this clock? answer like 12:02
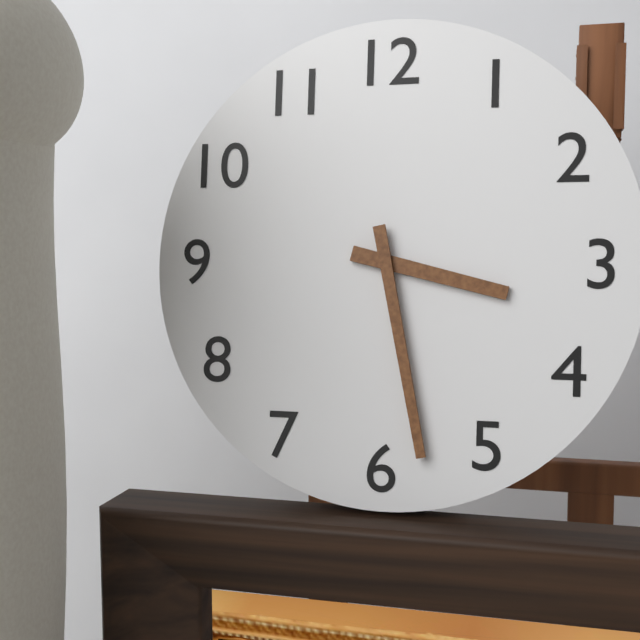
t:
3:28
